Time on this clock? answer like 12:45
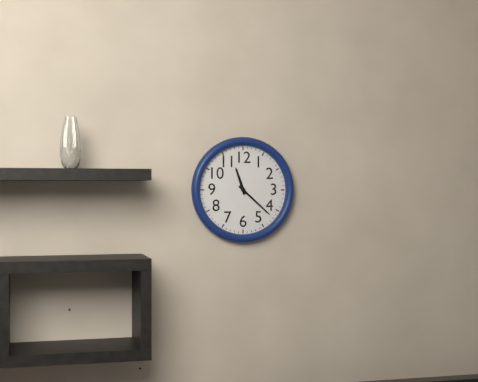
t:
11:22
